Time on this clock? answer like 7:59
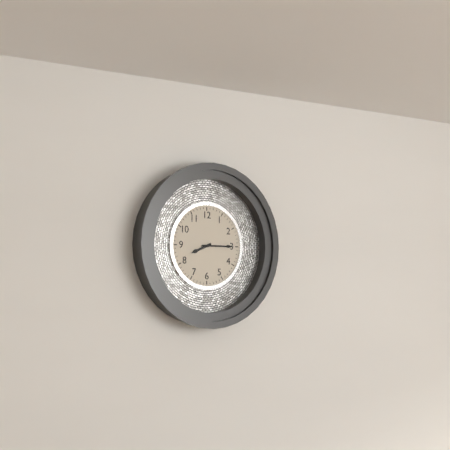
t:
8:15
